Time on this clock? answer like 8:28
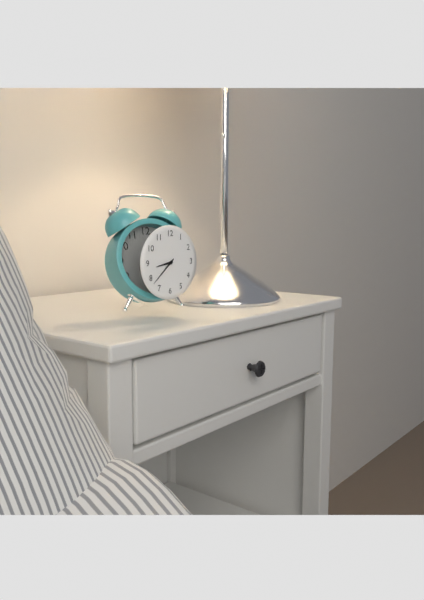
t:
8:38
